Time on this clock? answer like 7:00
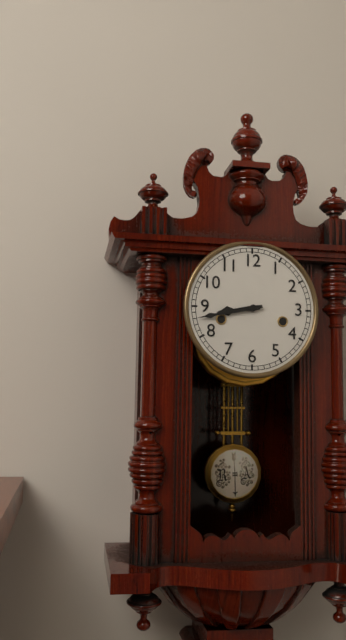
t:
8:43
